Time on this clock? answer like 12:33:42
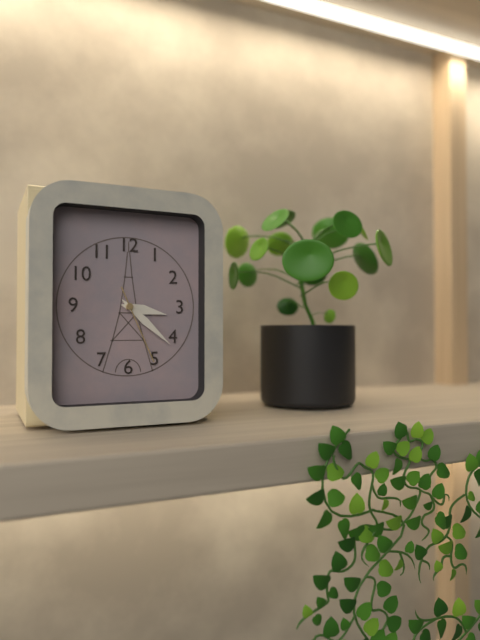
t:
3:22:26
